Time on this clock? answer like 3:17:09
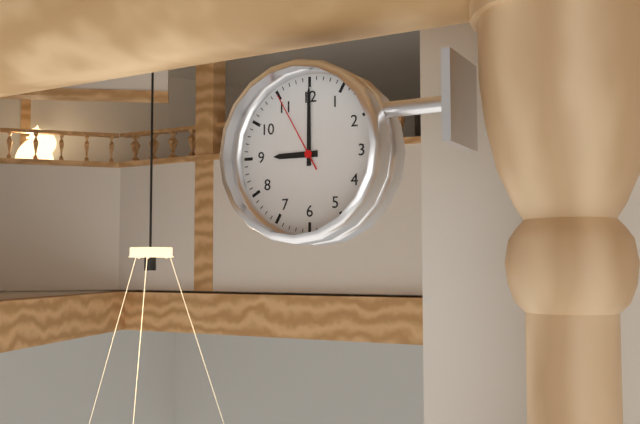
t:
9:00:55
